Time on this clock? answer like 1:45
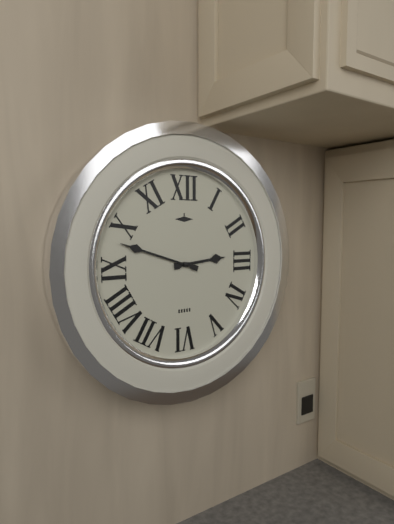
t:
2:48
